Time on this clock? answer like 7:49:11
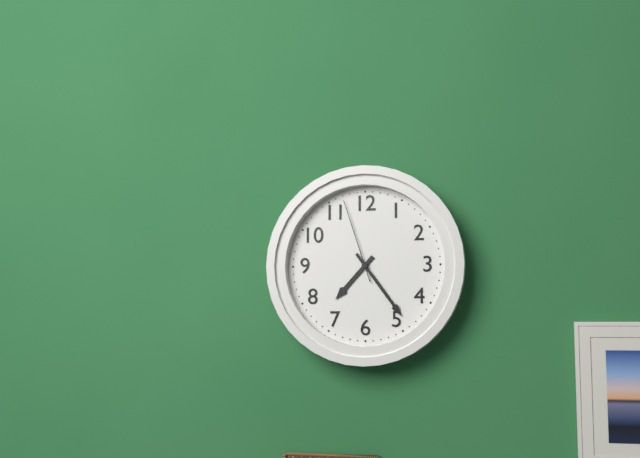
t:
7:24:57
